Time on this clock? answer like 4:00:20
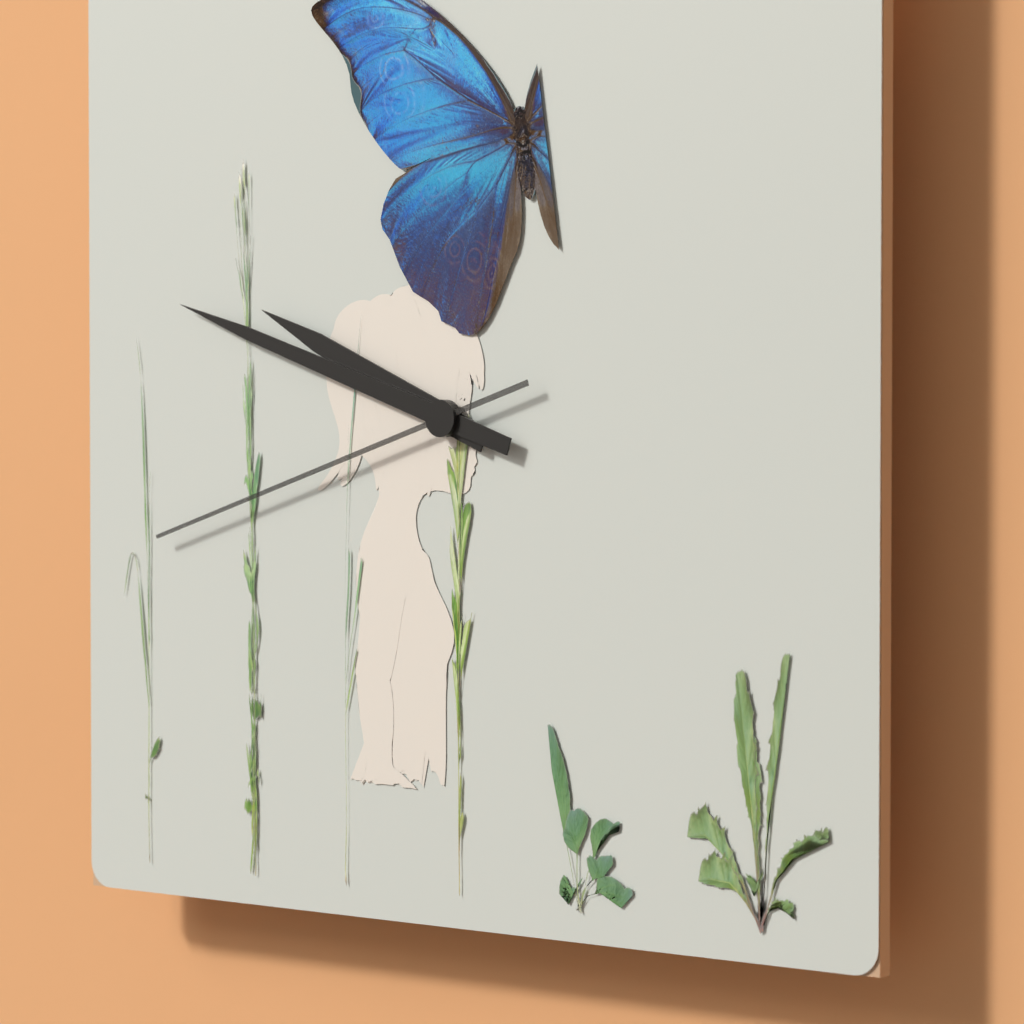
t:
9:48:42
